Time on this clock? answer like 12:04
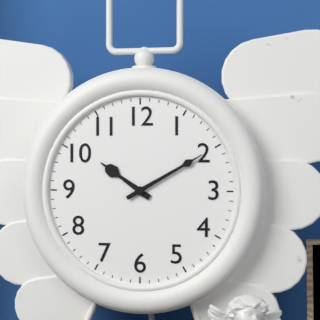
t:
10:10
